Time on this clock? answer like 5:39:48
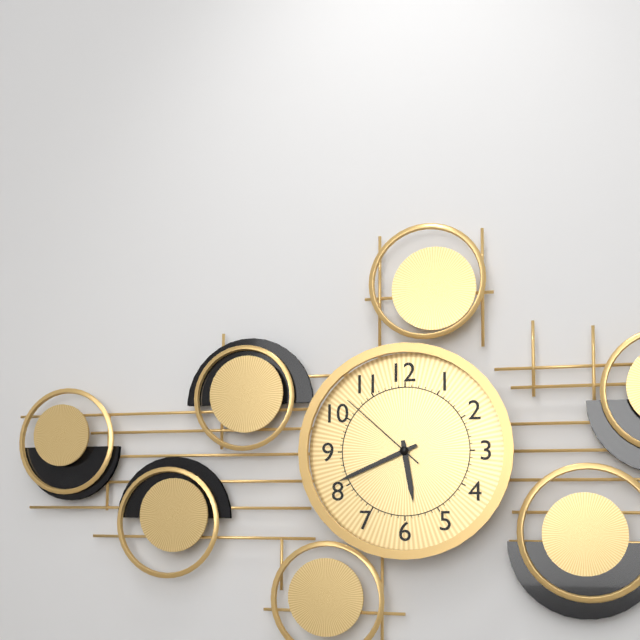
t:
5:41:52
